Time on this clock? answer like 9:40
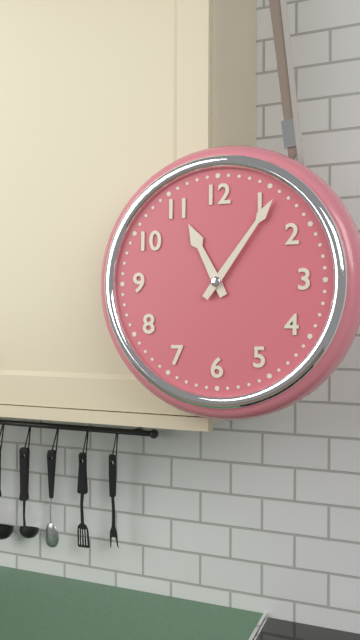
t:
11:06
